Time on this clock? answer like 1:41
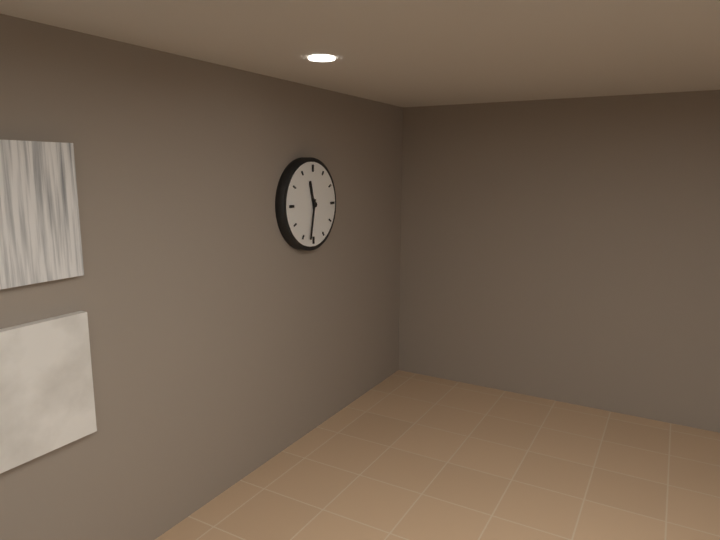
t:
11:32
